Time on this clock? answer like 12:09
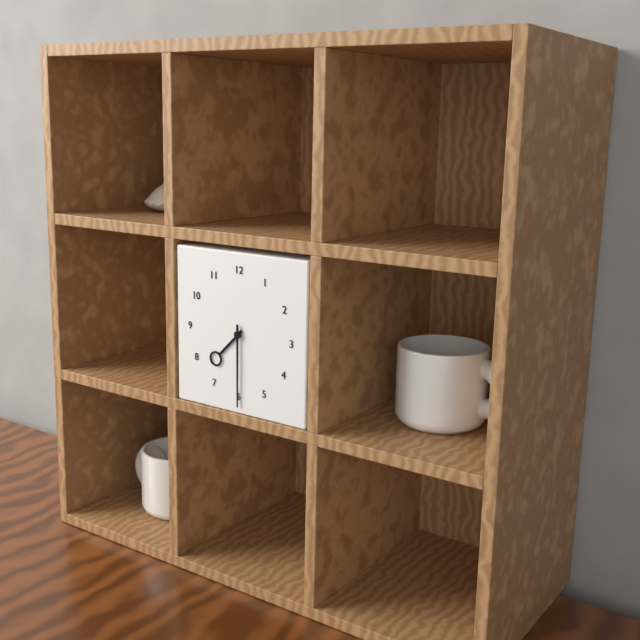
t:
7:30
